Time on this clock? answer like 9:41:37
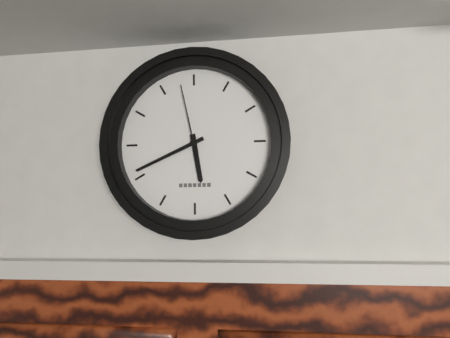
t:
5:41:58
